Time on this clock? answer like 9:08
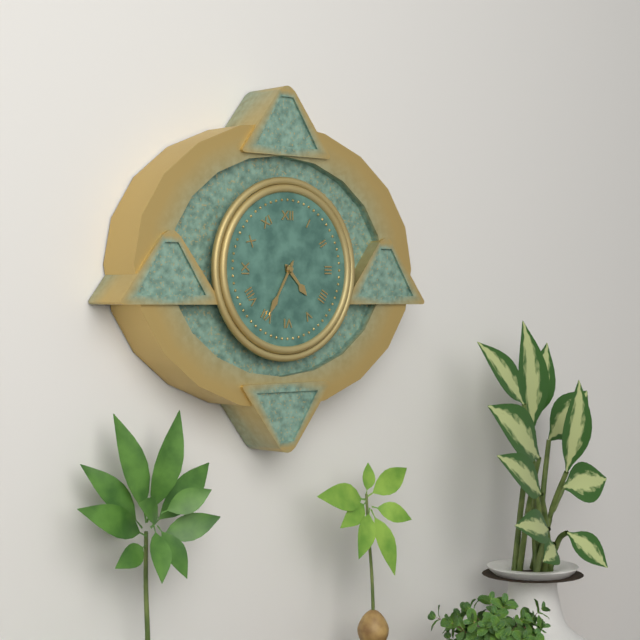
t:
4:35
